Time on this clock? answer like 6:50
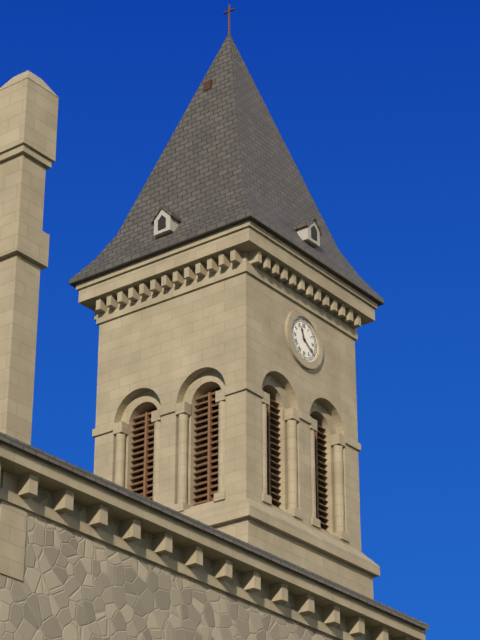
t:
11:21
